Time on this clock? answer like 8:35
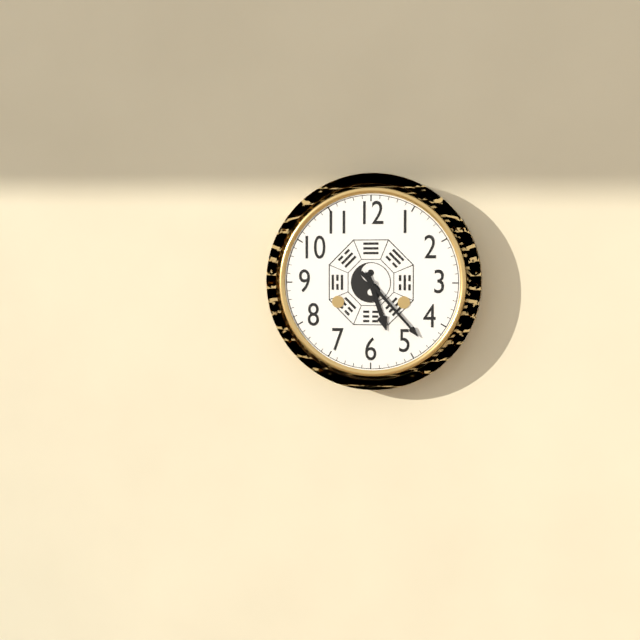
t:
5:23
